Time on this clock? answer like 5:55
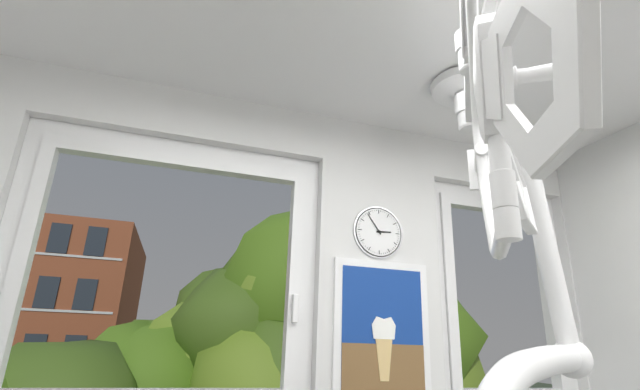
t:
2:54
